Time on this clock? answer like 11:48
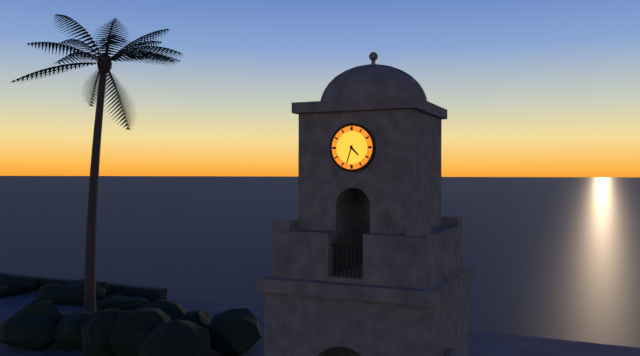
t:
4:33
